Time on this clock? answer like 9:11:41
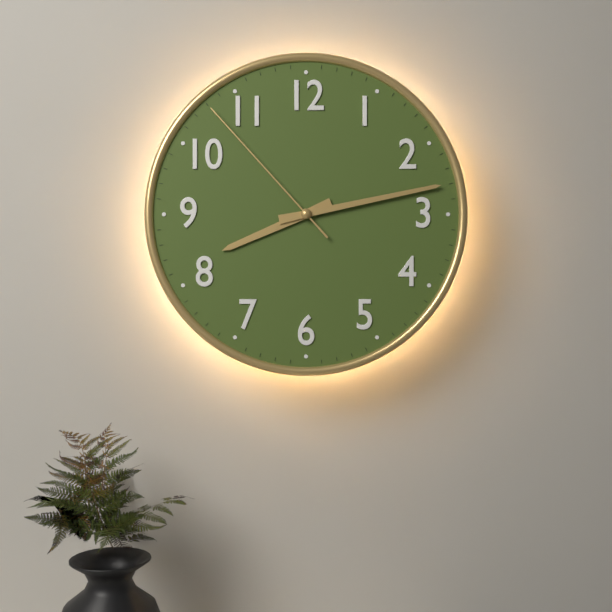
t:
8:13:53
